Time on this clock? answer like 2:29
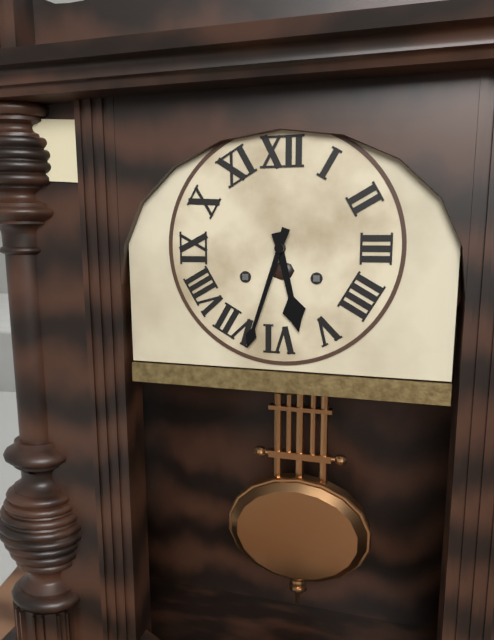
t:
5:33
